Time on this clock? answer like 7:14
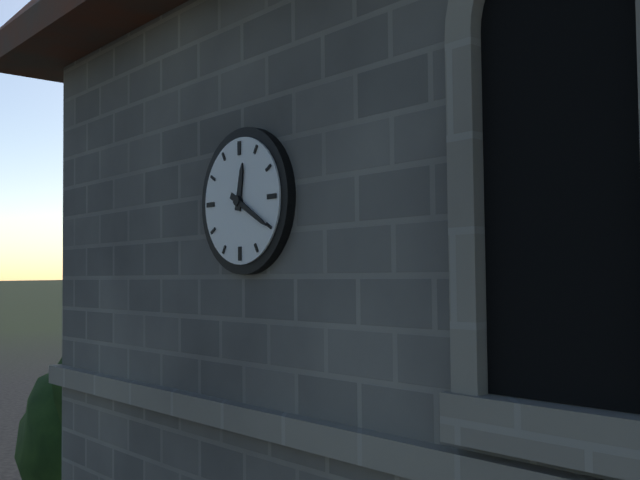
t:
12:20
